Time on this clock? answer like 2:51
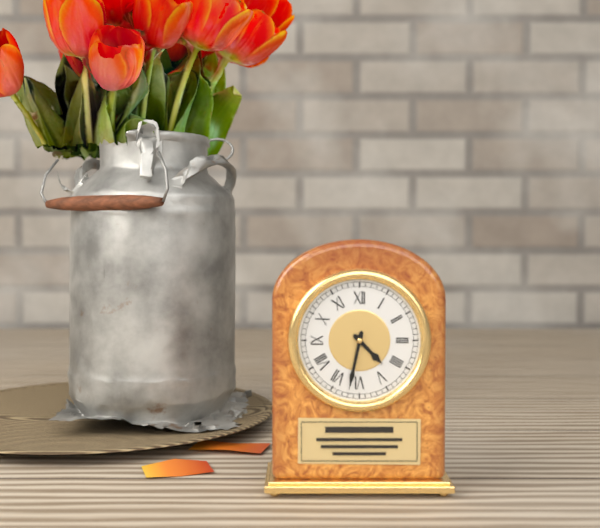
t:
4:32
